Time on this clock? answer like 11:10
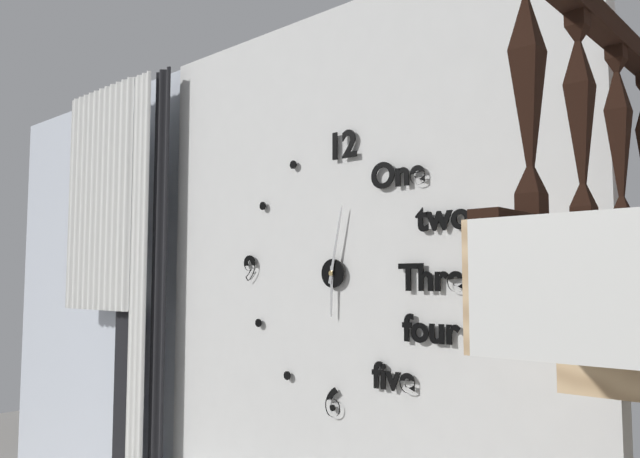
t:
6:02
